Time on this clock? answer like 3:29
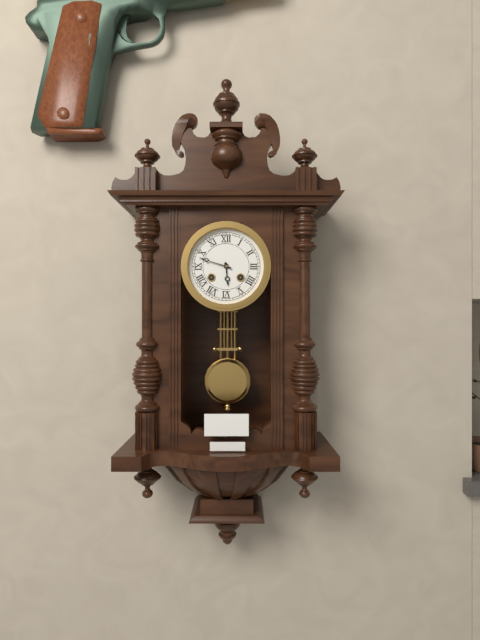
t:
5:48
